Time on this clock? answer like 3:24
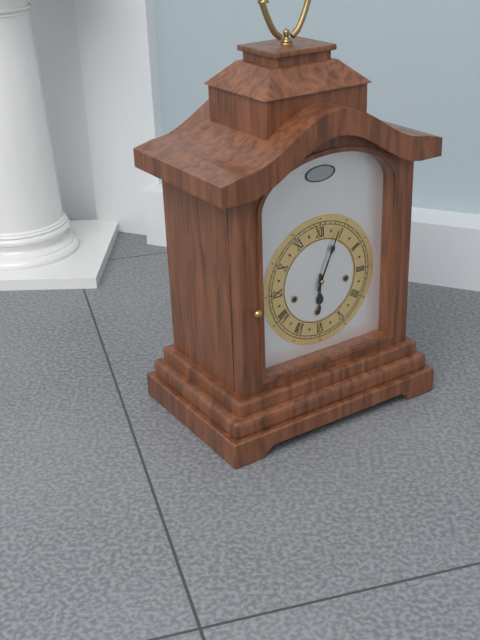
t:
6:04
